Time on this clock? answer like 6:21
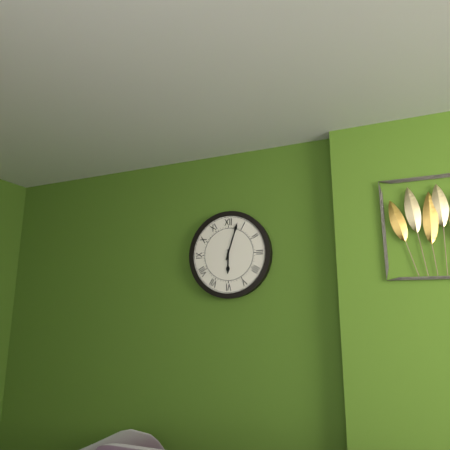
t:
6:03
